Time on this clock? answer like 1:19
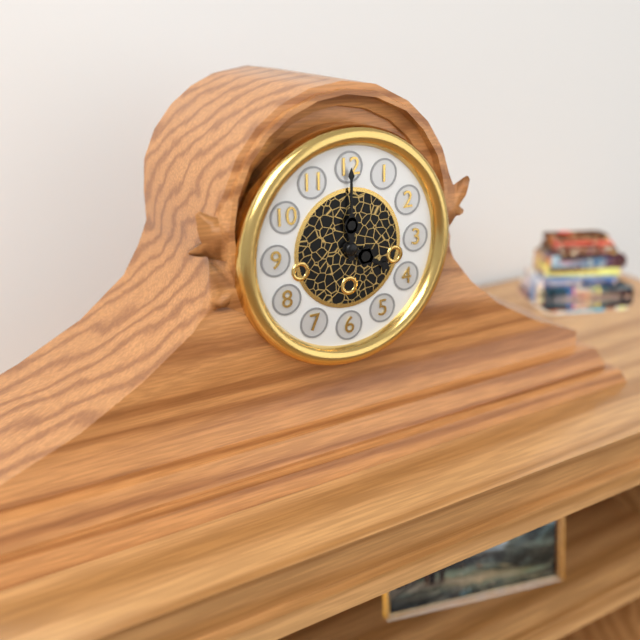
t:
4:00
